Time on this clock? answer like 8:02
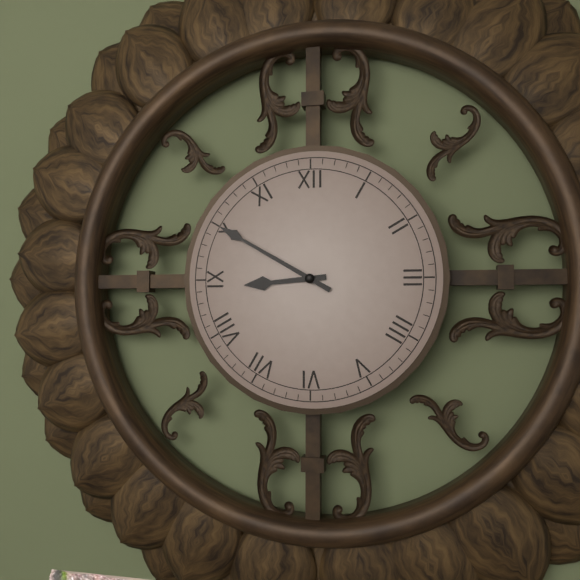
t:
8:50
